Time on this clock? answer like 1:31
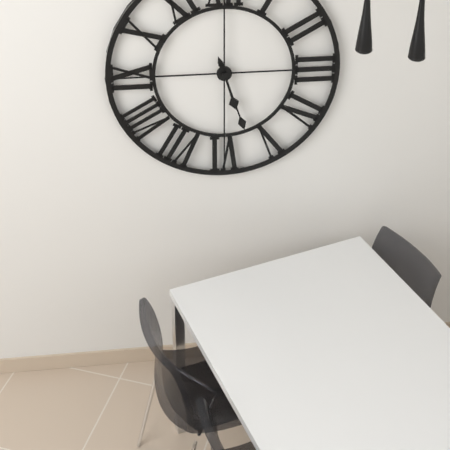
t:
5:27
